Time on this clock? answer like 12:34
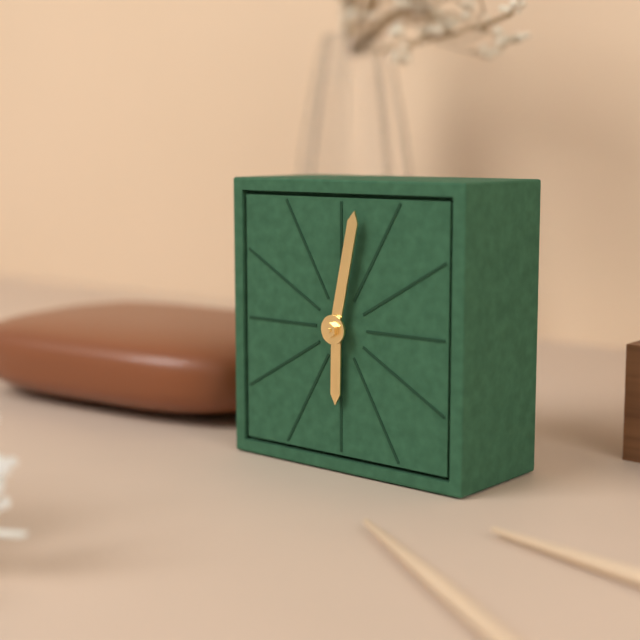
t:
6:02
